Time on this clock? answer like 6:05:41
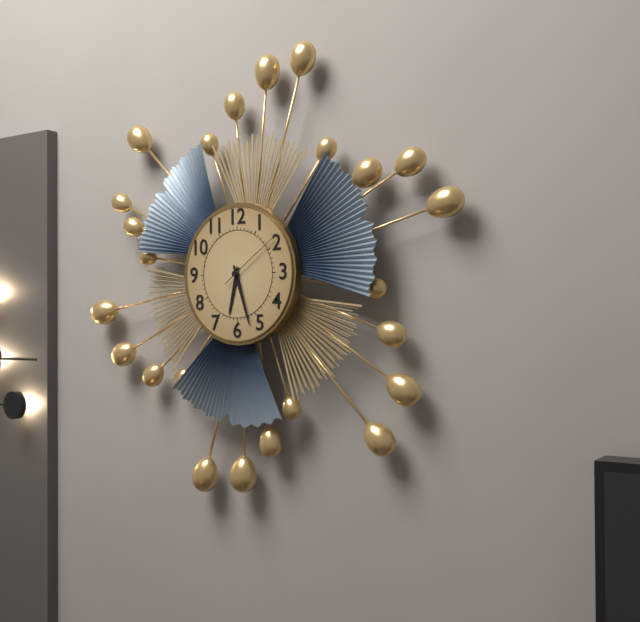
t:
6:27:09
